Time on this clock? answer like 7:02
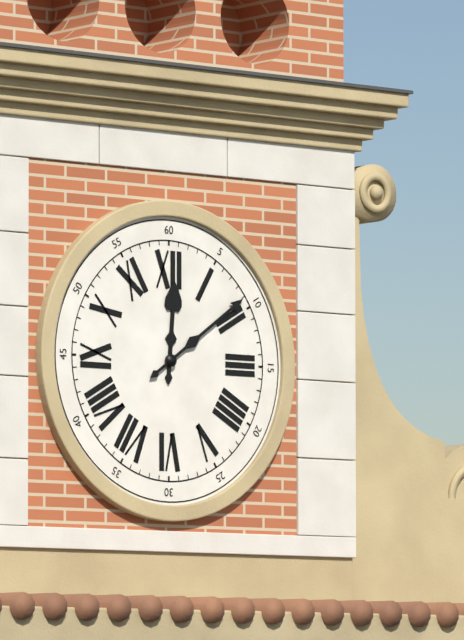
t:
12:09
